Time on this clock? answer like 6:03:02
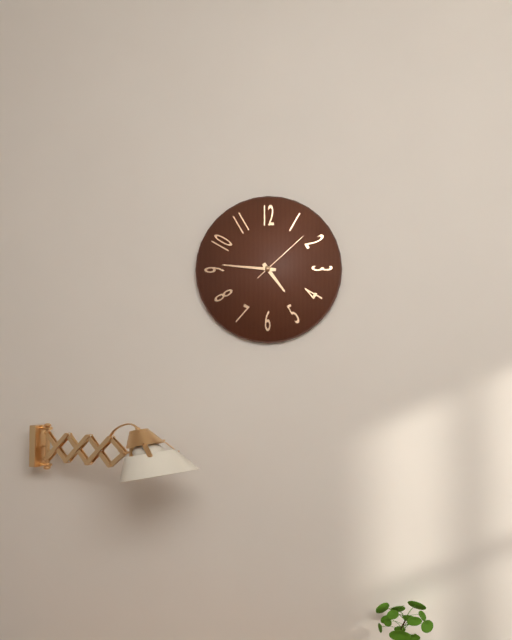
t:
4:46:08
